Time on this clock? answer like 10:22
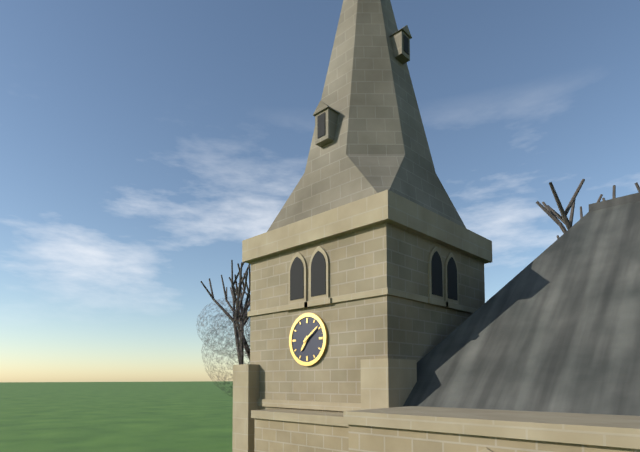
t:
7:09
